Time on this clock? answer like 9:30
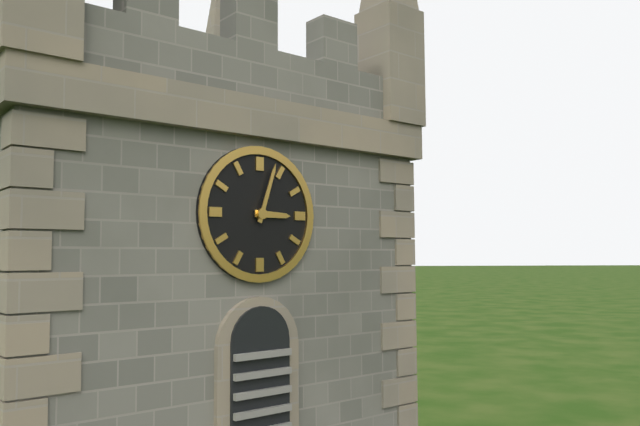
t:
3:03
